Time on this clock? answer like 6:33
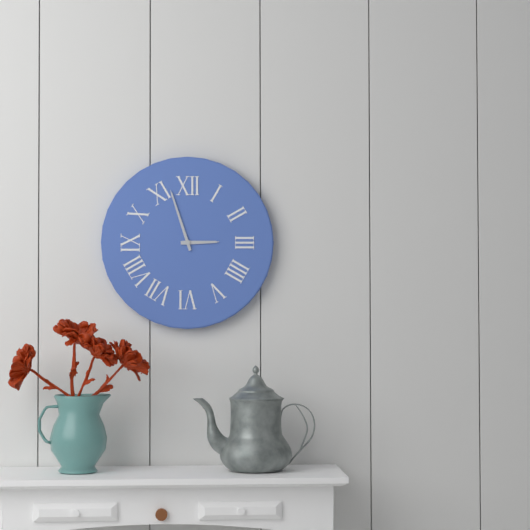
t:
2:57
